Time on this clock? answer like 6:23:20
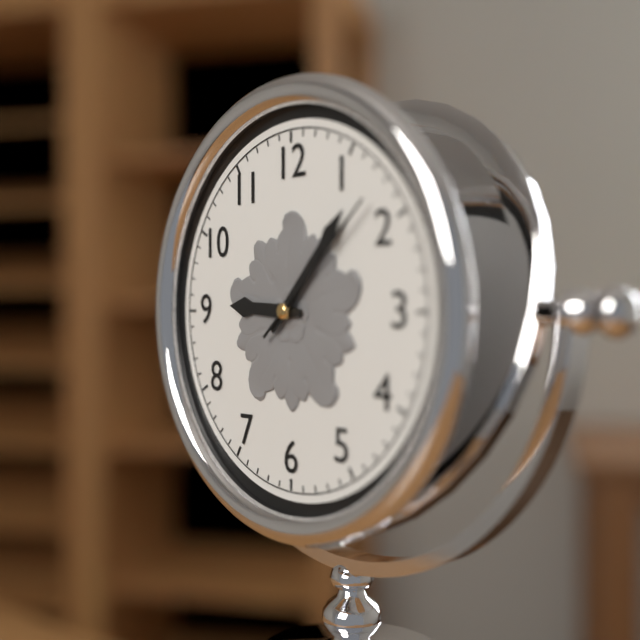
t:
9:07:08
